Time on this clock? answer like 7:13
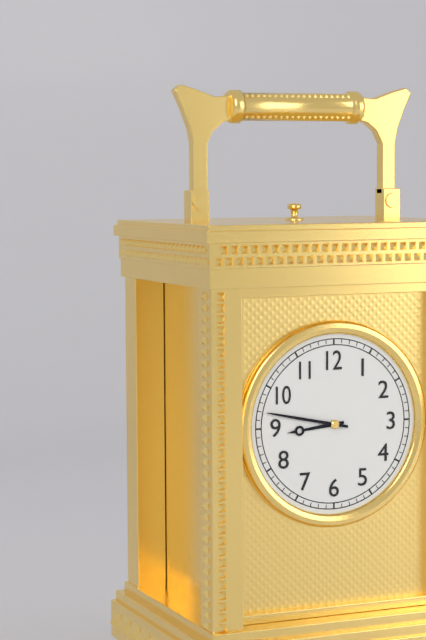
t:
8:47
